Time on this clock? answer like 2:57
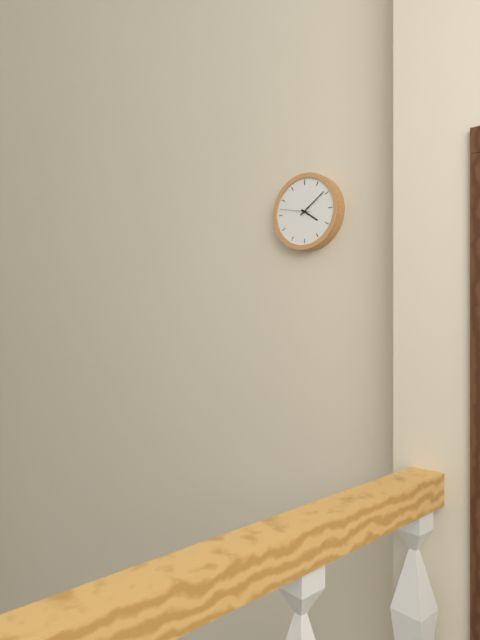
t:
4:09
